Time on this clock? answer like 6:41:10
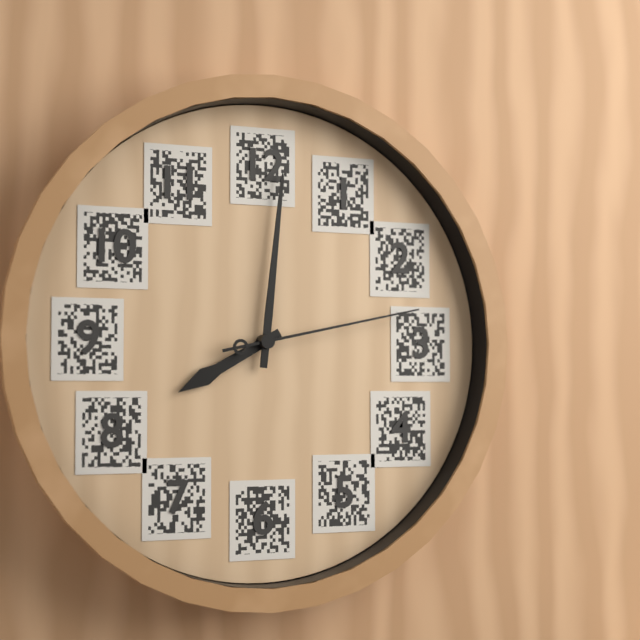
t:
8:01:13
